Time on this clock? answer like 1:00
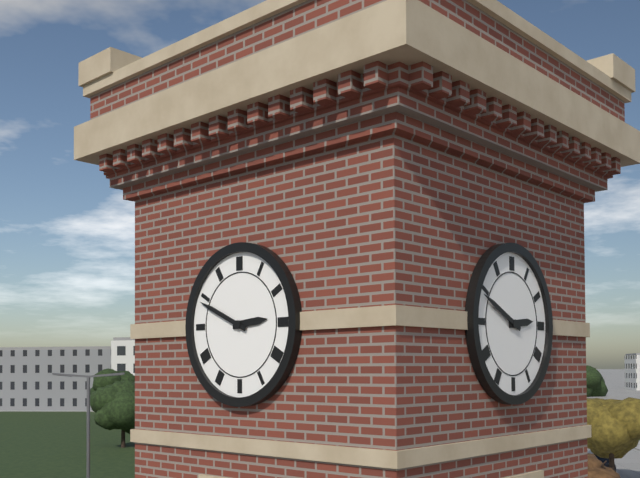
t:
2:49
